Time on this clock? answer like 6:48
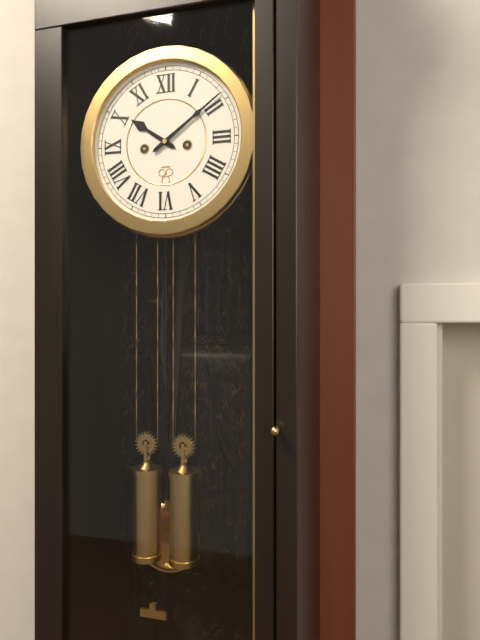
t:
10:09
